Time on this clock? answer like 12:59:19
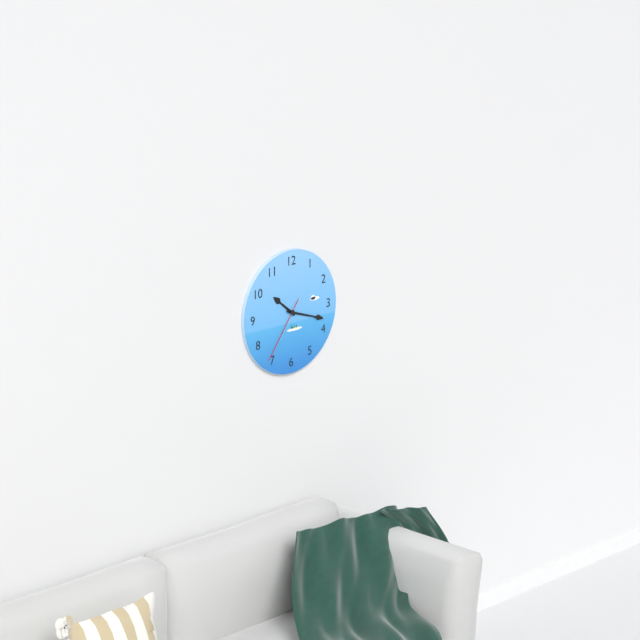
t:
10:18:36
